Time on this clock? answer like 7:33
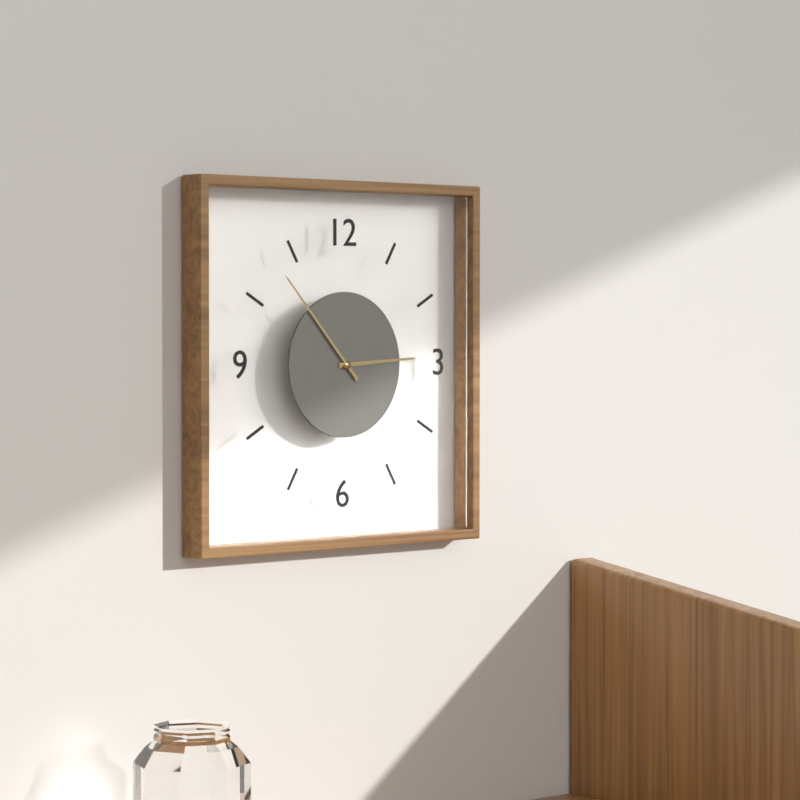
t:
2:53
